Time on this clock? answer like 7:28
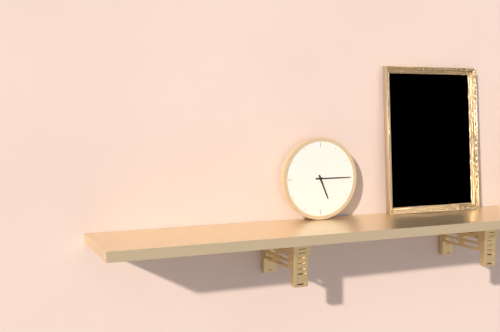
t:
5:15
